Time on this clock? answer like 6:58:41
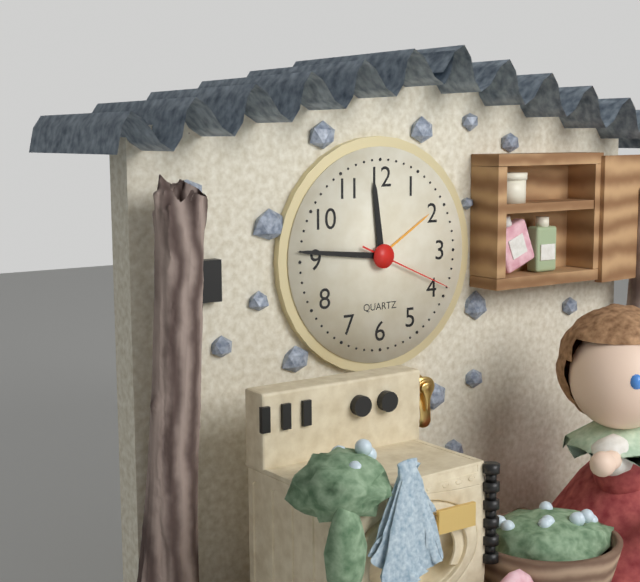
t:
11:46:19
